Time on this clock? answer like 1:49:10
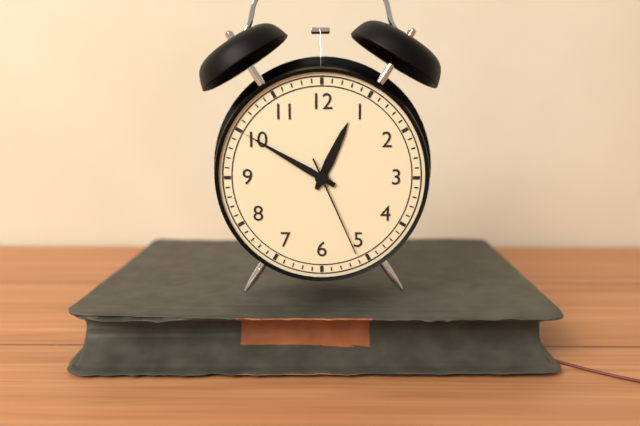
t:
12:50:26
